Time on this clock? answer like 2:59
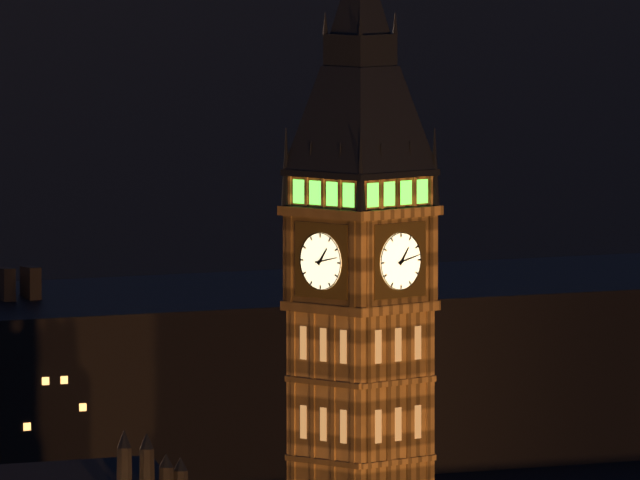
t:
1:13
